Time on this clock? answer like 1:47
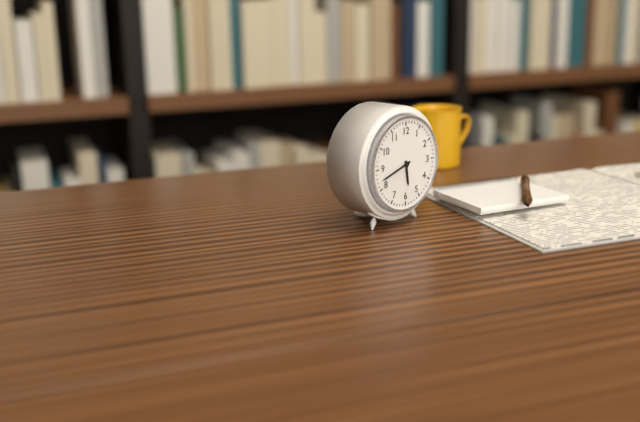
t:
5:42
